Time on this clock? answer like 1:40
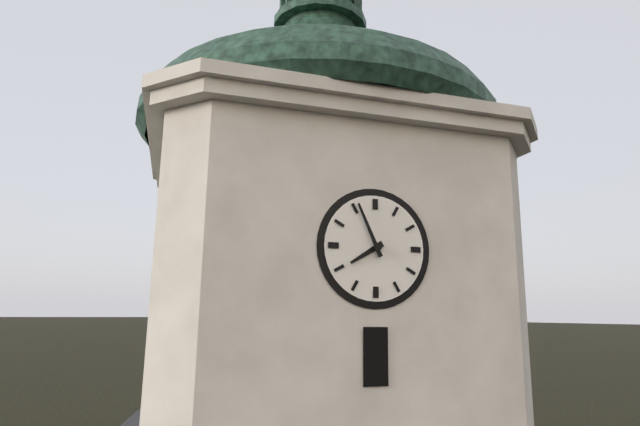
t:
7:56
